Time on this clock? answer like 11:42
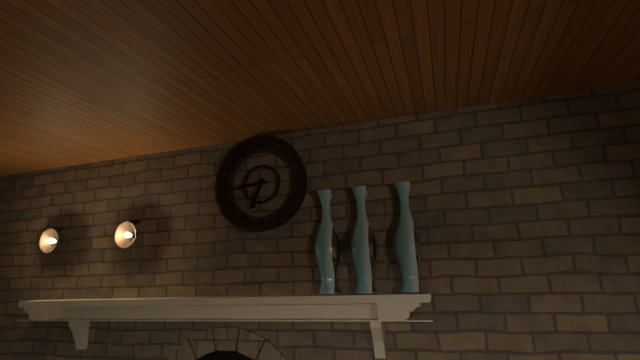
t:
6:44
